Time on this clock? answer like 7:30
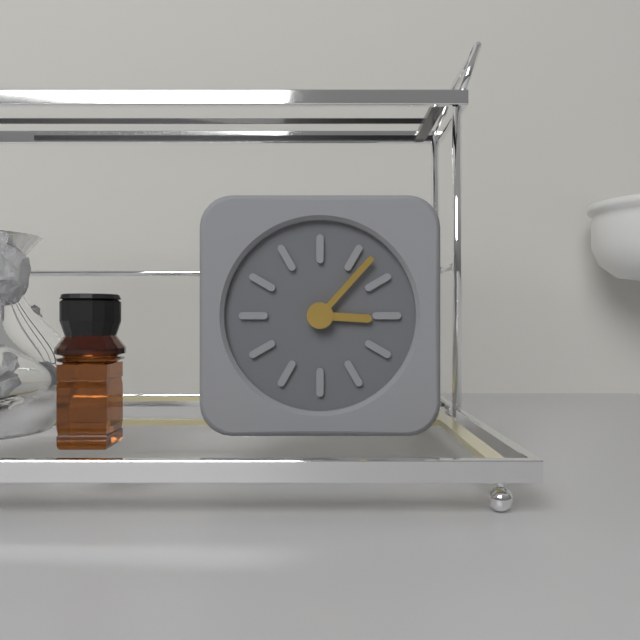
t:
3:07
